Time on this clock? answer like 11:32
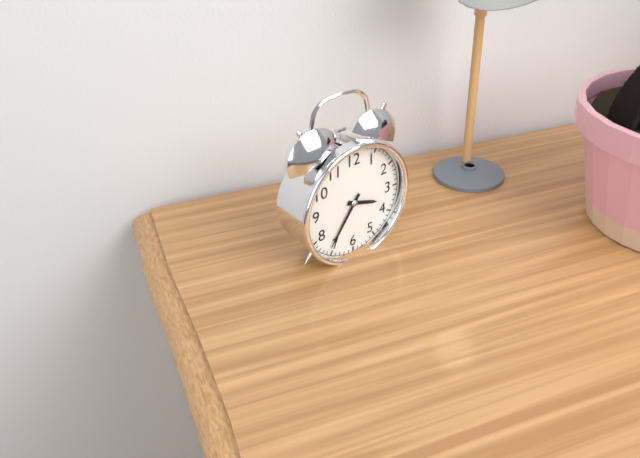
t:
3:36
